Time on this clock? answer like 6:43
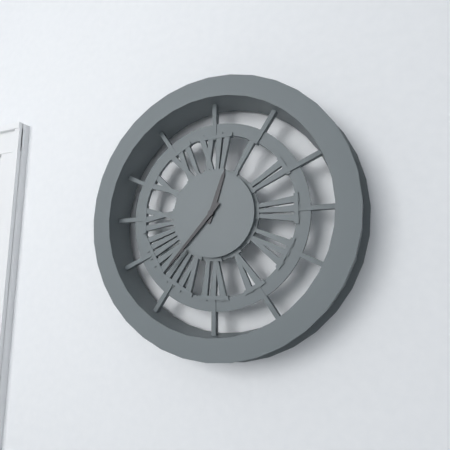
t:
12:37
